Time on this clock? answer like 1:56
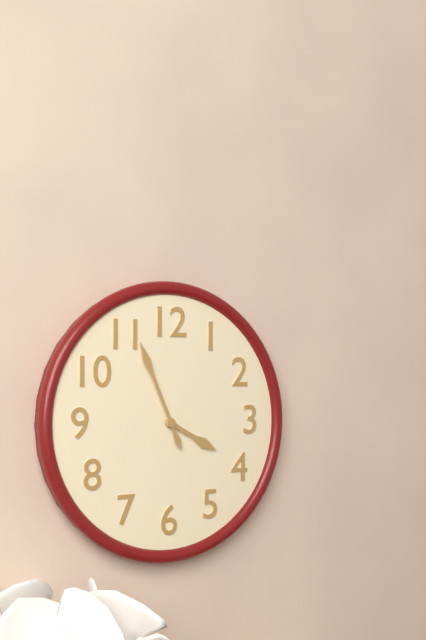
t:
3:56
